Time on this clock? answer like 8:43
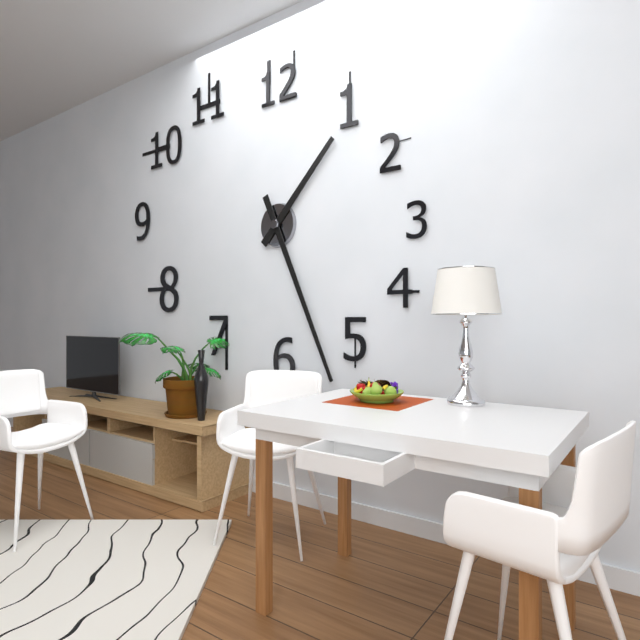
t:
1:26
